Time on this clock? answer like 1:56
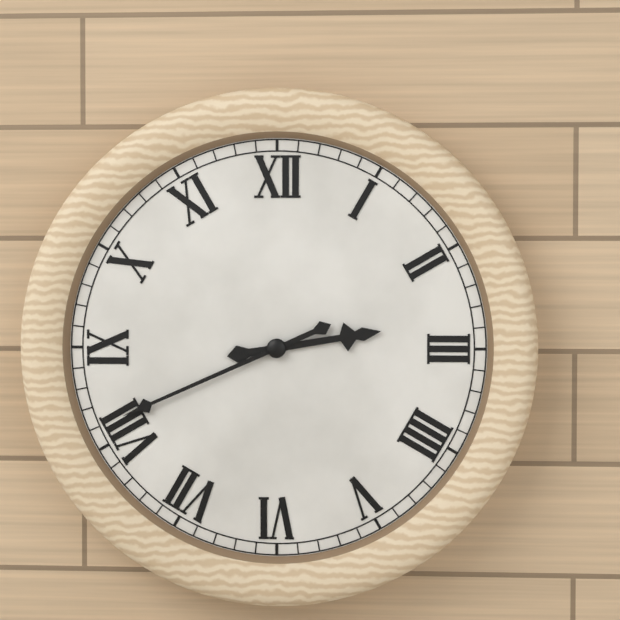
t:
2:41
